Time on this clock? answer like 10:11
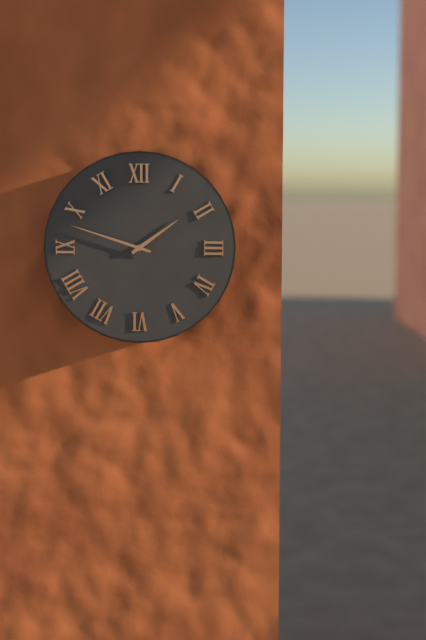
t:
1:48
